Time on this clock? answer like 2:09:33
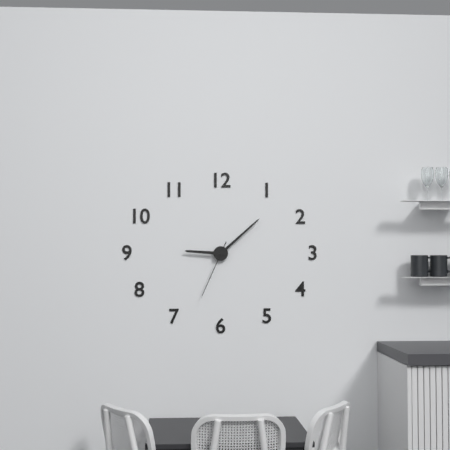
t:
9:08:34
